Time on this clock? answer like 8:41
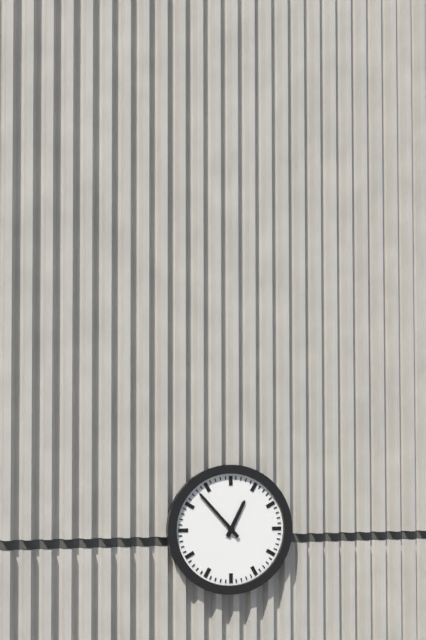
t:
12:53
